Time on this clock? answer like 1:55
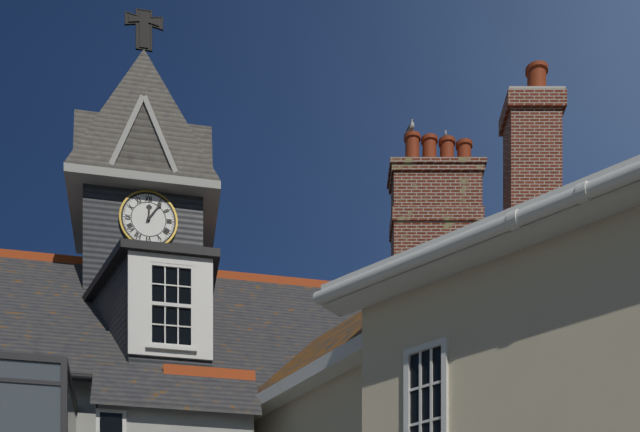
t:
12:06
